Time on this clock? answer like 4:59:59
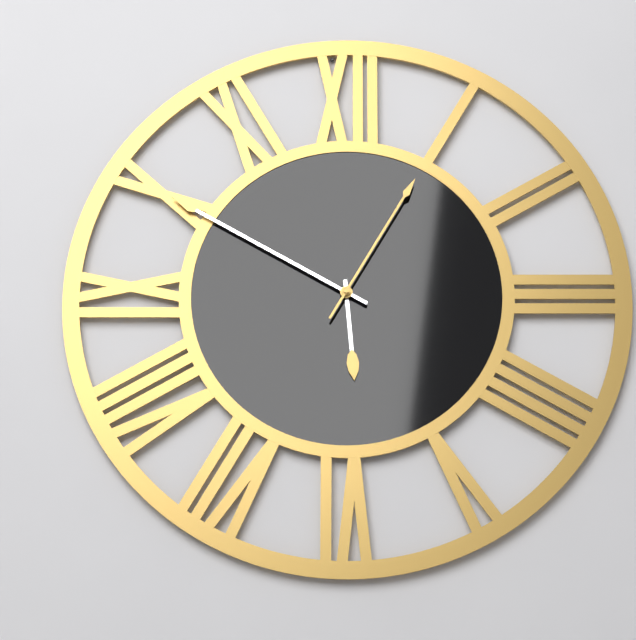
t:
5:50:05
